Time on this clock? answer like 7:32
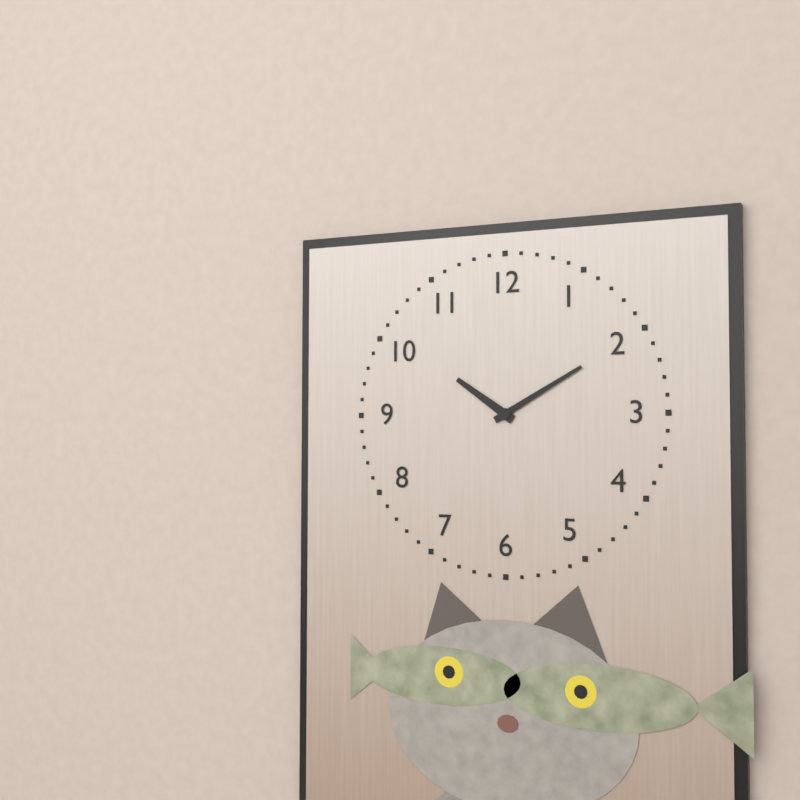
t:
10:10
